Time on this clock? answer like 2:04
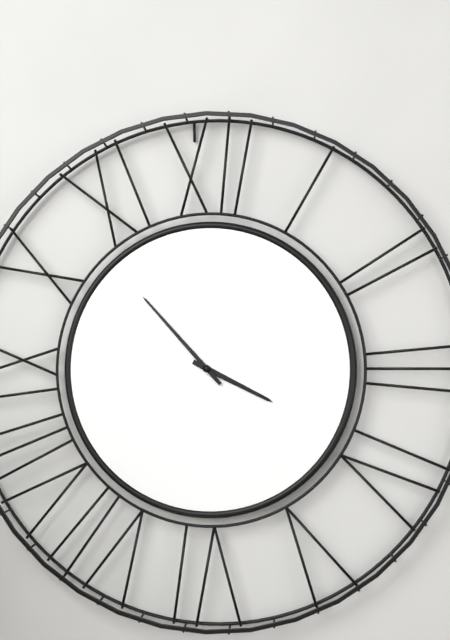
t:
3:53
